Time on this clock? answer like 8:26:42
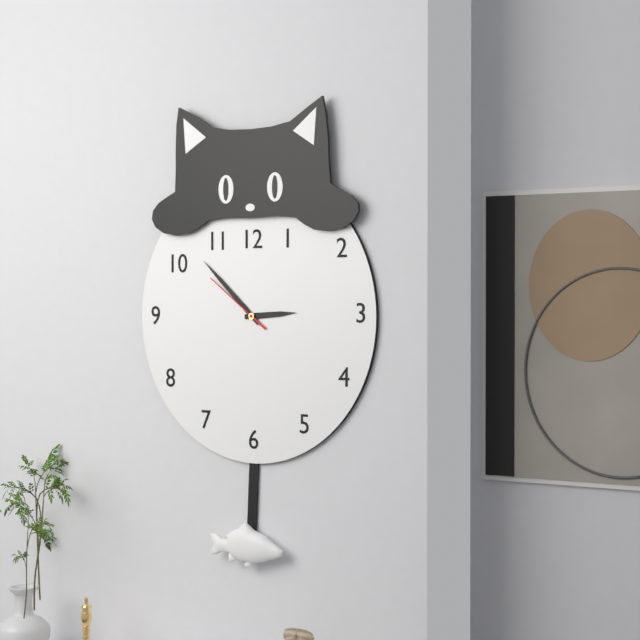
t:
2:52:51
